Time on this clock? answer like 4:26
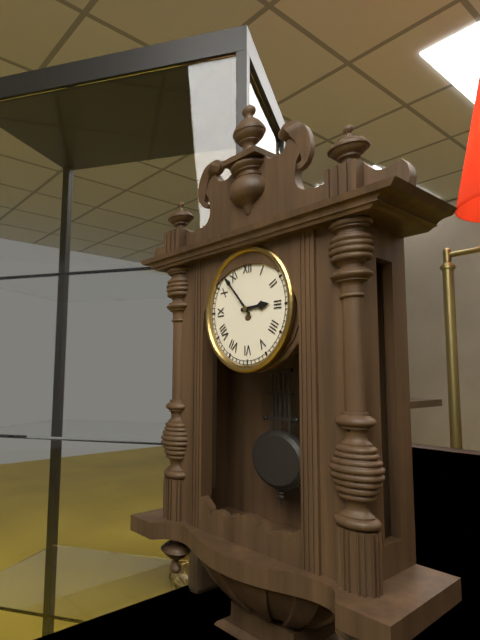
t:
2:53
